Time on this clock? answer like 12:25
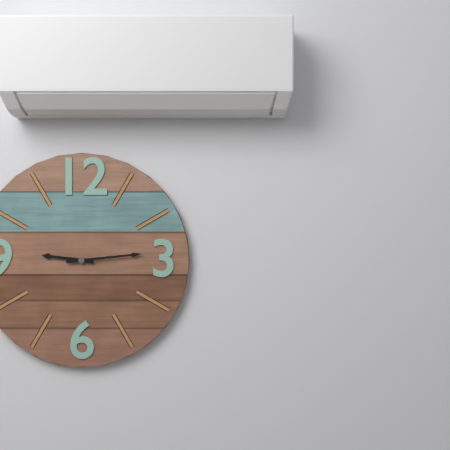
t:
9:14
